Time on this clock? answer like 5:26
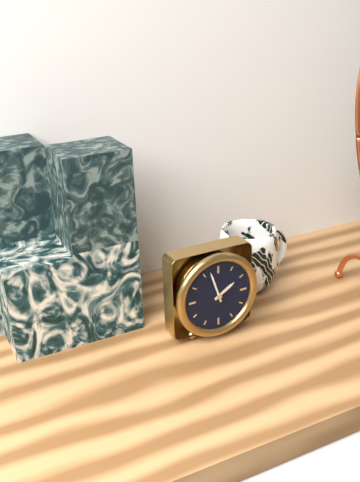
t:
1:57
